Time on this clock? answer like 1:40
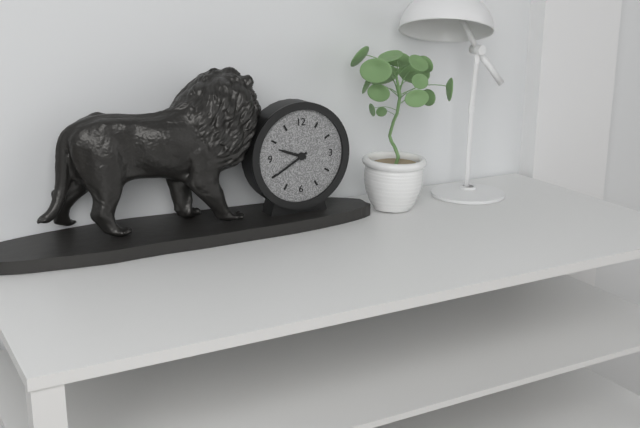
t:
9:40
